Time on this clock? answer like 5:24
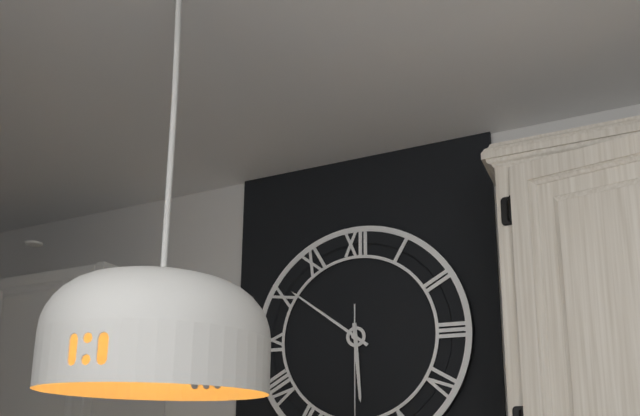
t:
5:51
